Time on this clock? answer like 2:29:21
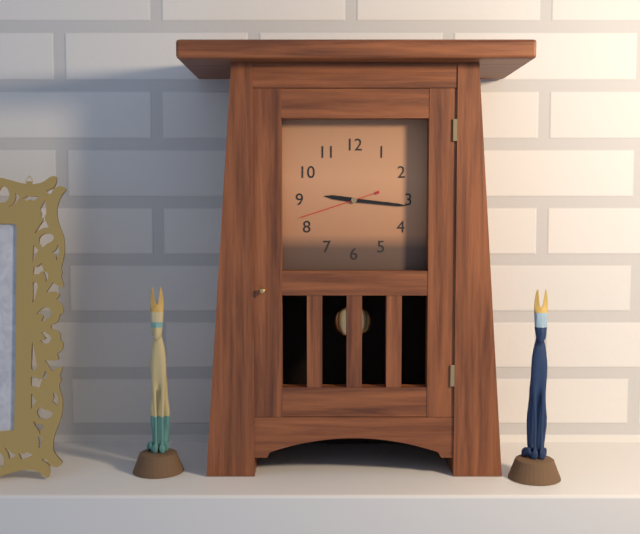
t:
9:16:42
